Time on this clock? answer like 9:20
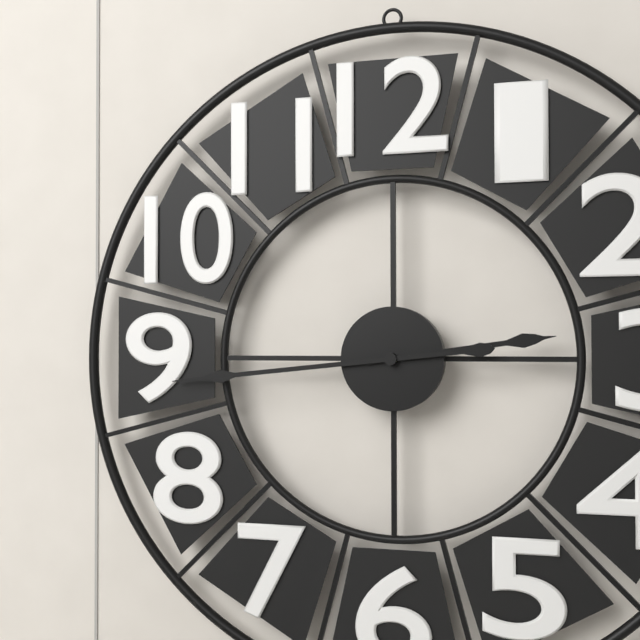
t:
2:44
